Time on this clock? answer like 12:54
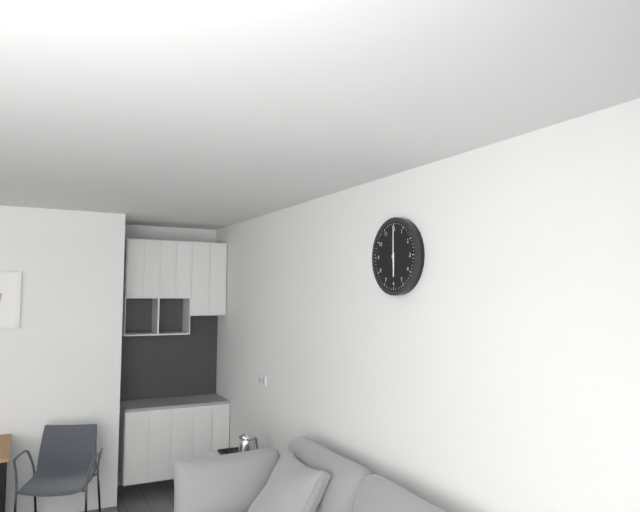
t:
6:00
